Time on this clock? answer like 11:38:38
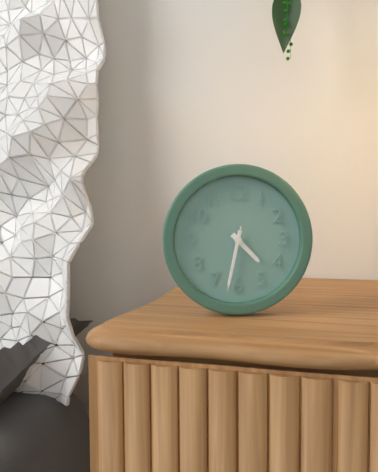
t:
4:32:32
